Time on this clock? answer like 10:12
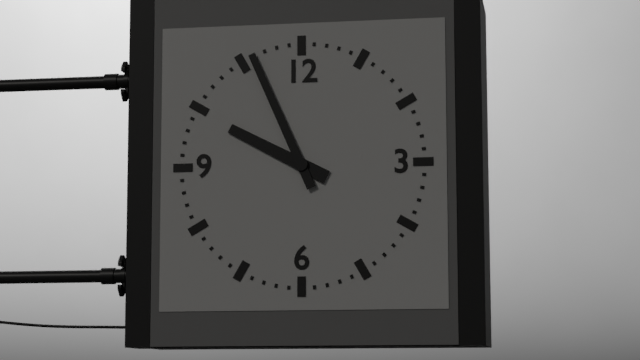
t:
9:56
